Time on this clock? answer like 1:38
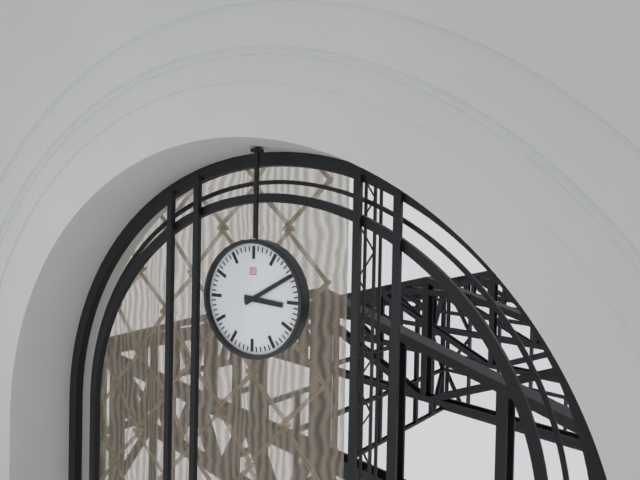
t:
3:10
